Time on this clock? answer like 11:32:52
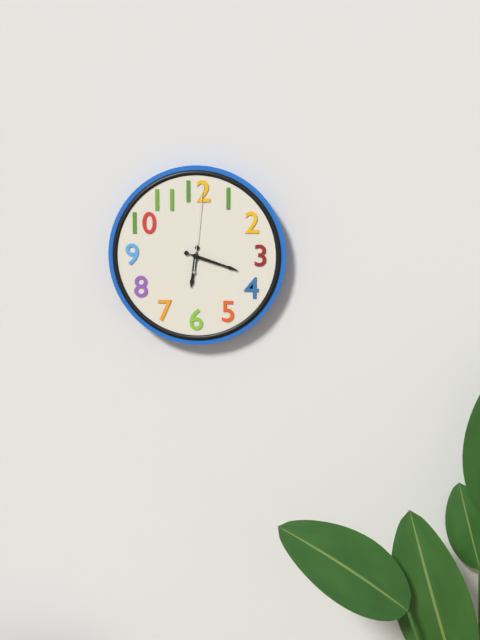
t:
6:18:01
